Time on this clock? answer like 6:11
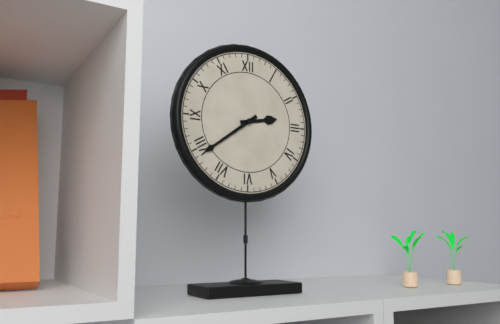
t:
2:39
